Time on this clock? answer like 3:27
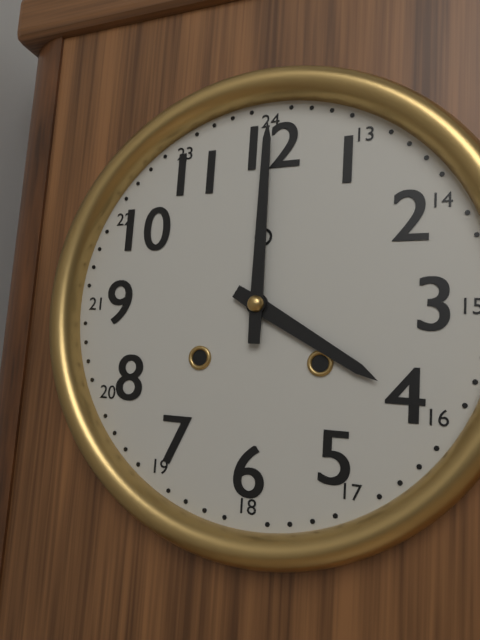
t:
4:00
